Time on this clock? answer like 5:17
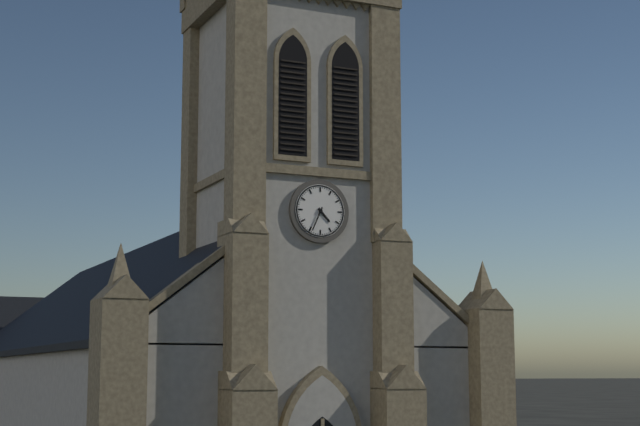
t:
4:34
